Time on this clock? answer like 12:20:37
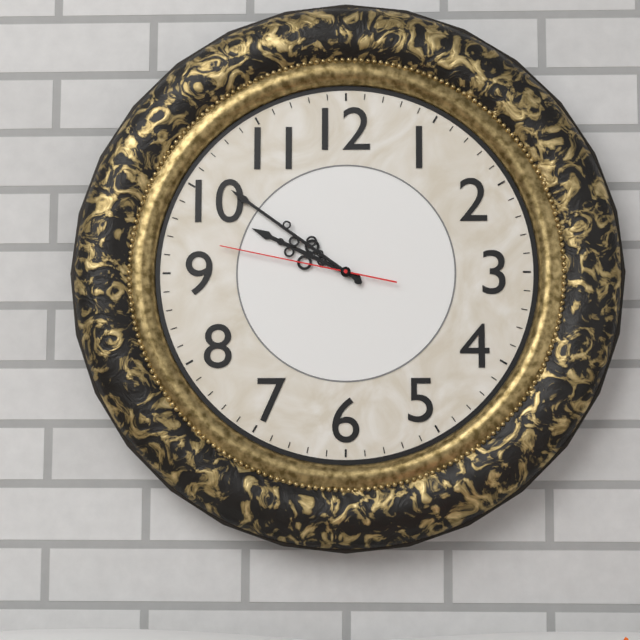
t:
9:51:47
